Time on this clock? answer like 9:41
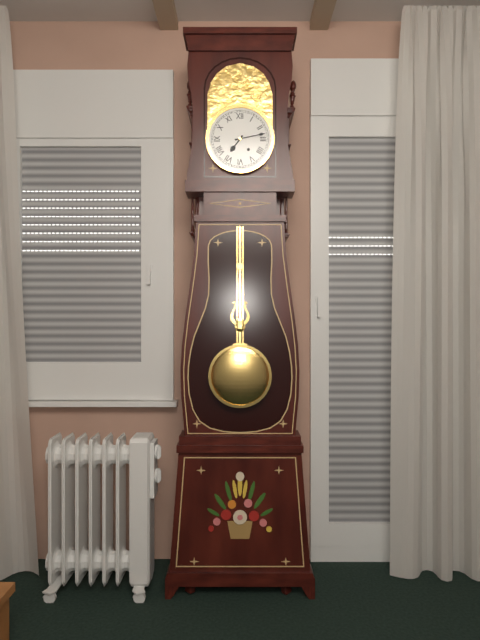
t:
7:13
